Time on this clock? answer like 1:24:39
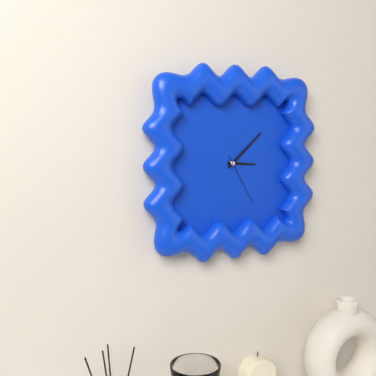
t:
3:08:25
